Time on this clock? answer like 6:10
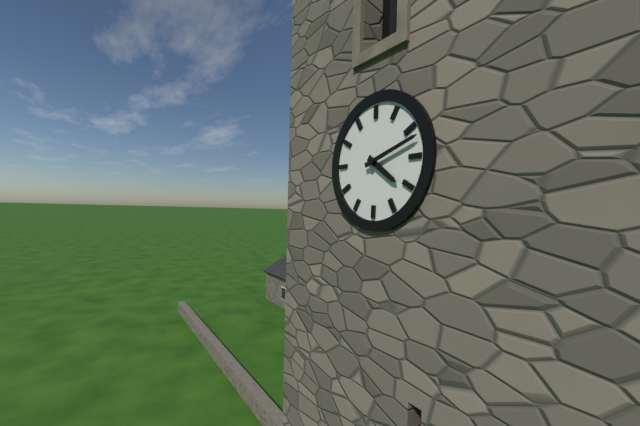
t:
4:12
